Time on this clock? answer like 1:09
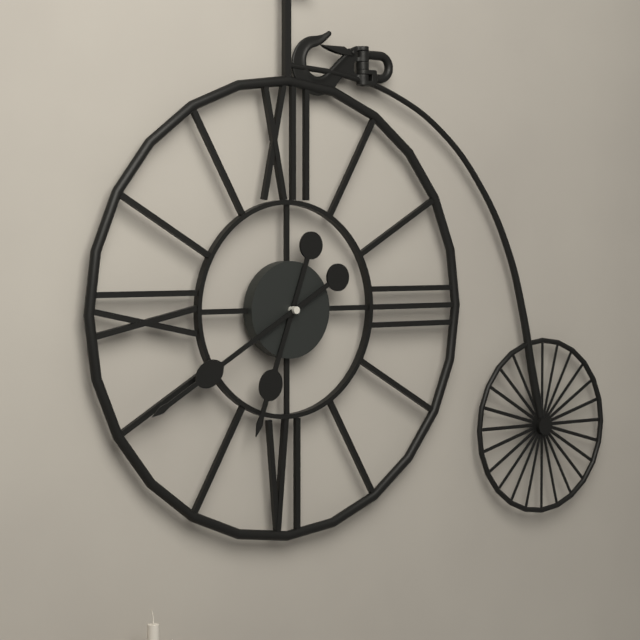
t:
6:40
